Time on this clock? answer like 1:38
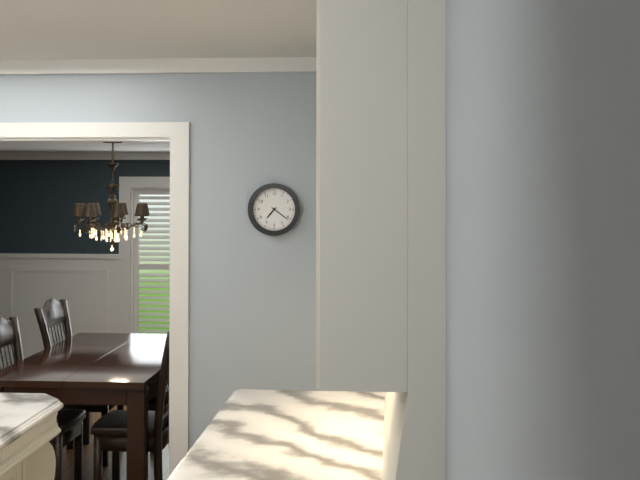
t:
7:21
